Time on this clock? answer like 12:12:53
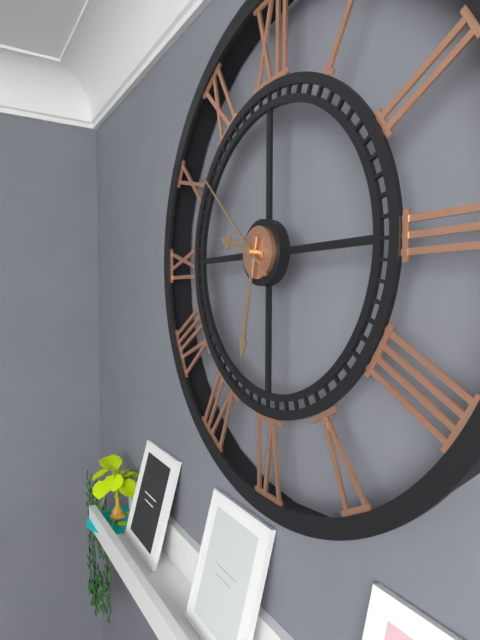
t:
9:32:52
